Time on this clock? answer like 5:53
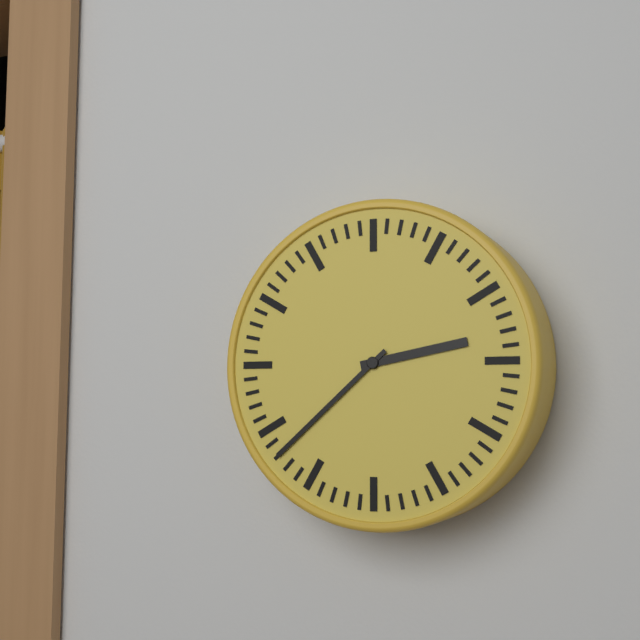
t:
2:38
